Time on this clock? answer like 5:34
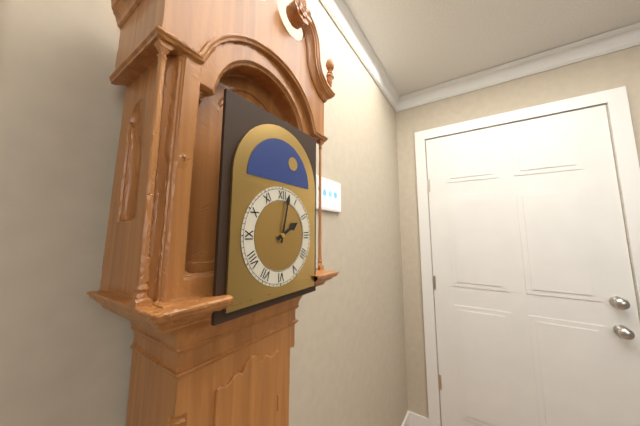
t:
2:02
